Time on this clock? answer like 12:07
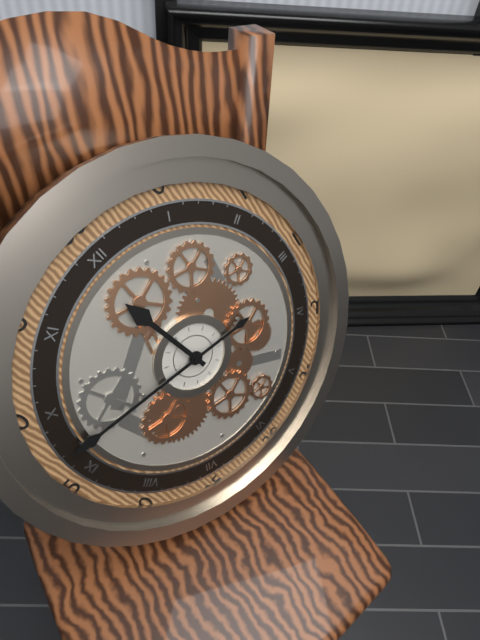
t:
11:47
